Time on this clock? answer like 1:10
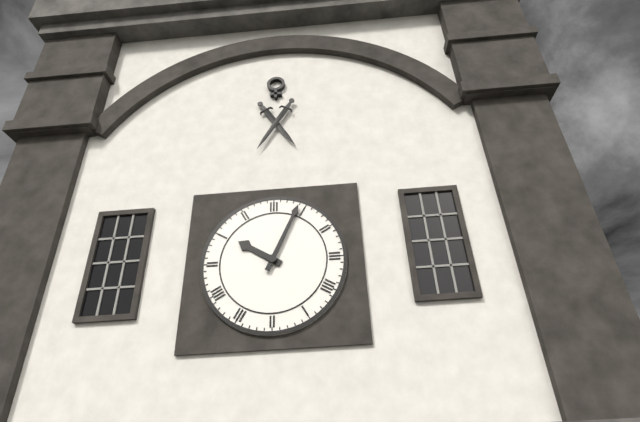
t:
10:04
